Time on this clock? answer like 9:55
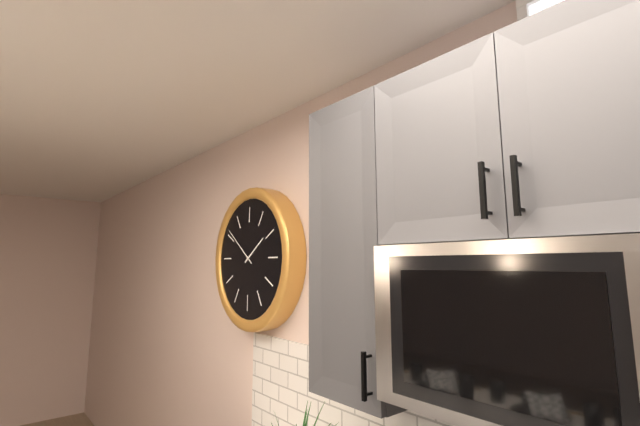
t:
1:51
